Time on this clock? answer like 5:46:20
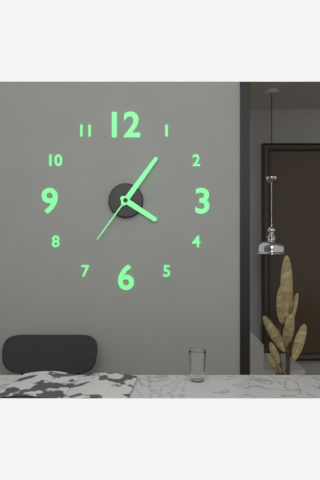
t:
4:06:36
